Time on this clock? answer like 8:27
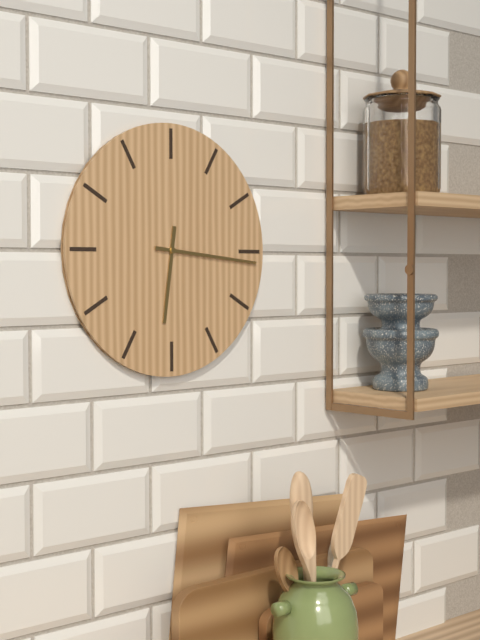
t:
6:16
